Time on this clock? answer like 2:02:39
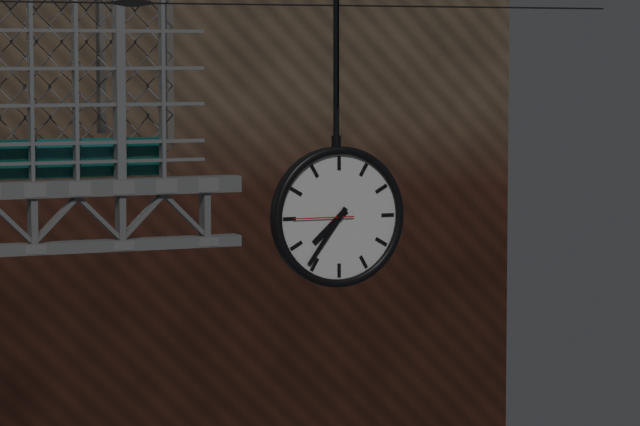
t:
7:36:45
